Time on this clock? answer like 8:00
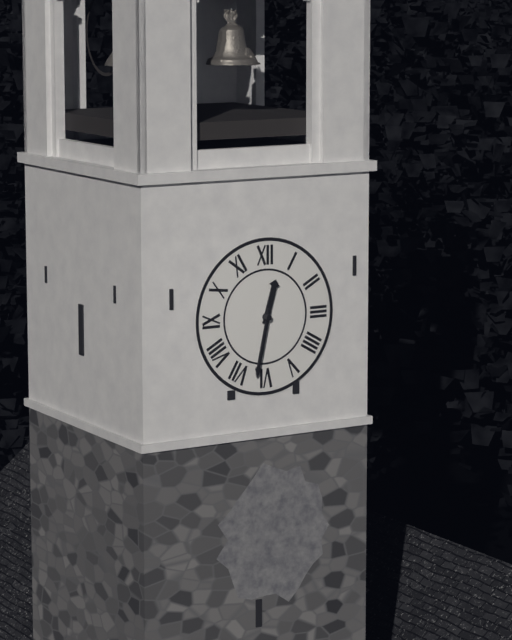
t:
12:32
